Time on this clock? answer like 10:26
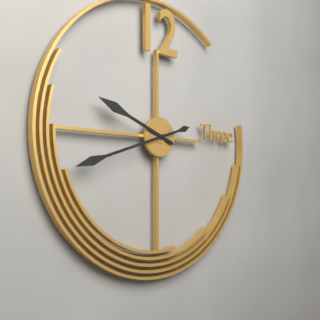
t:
9:42
